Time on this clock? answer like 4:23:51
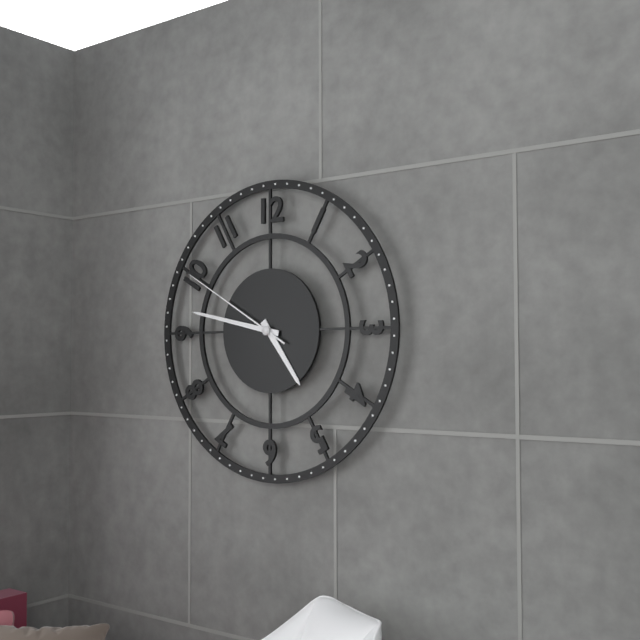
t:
4:47:50
